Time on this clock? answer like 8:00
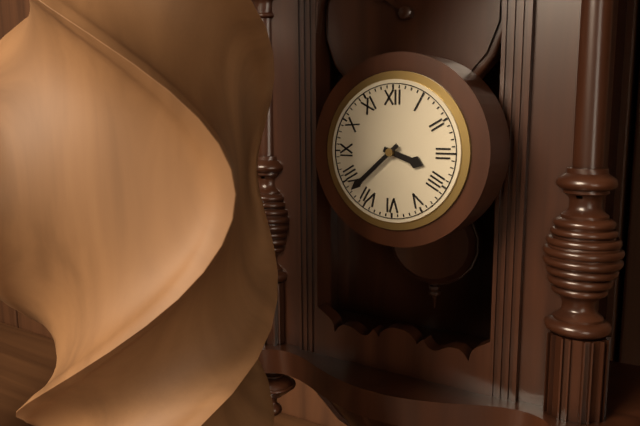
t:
3:38
